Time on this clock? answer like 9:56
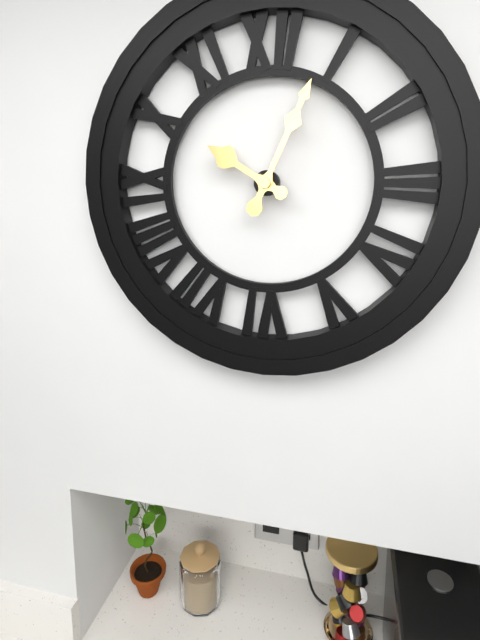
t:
10:04
